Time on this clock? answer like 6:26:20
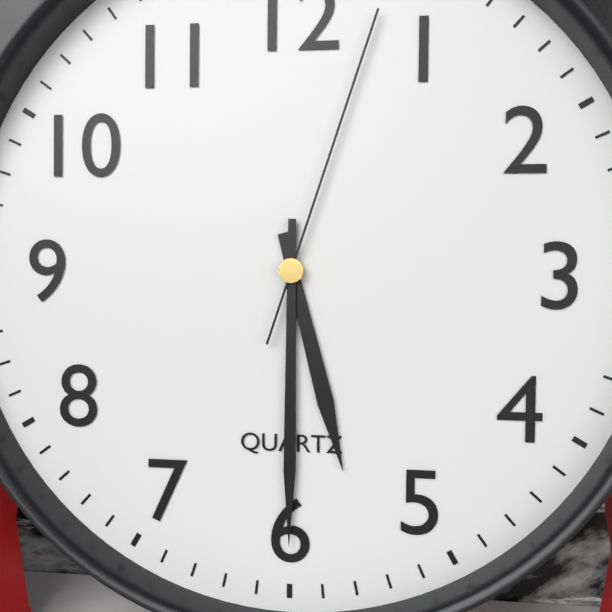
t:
5:30:03
